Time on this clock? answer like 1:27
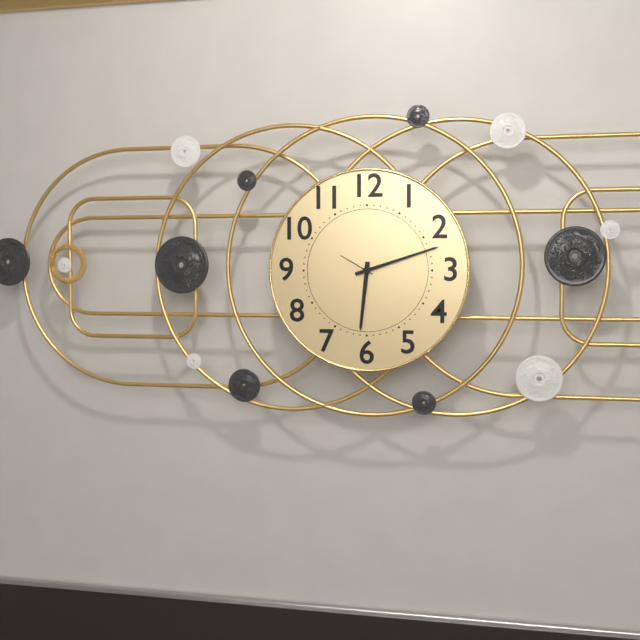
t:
6:12
